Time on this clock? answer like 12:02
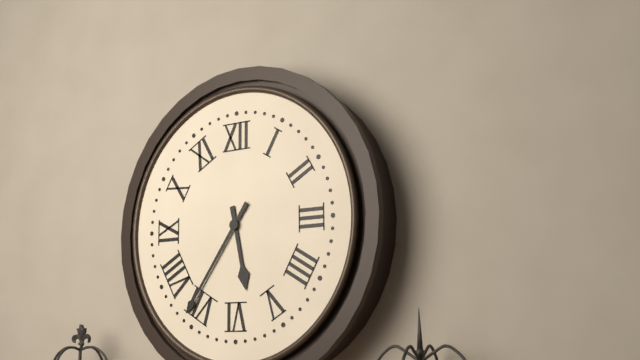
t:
5:36
